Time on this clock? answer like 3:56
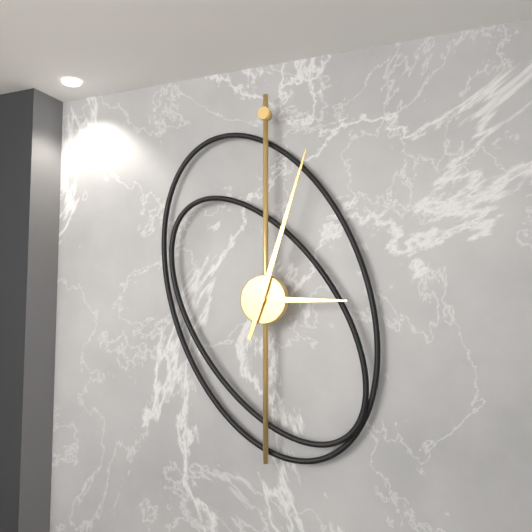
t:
3:03
